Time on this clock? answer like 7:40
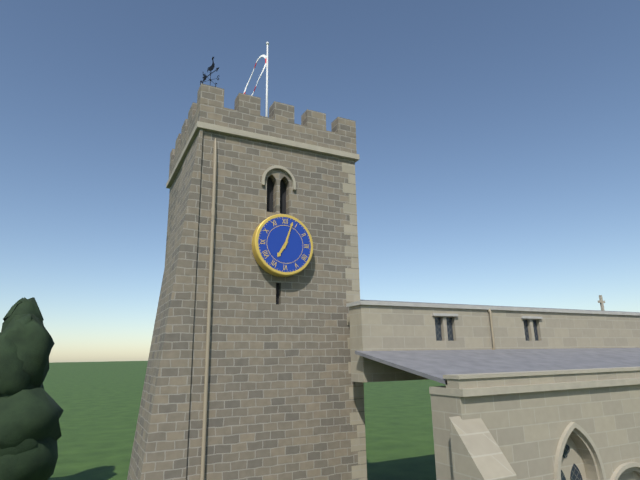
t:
7:03
